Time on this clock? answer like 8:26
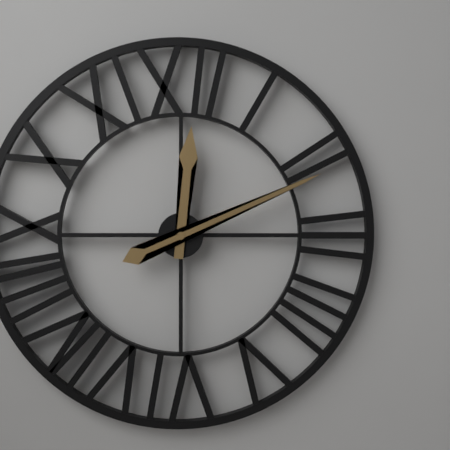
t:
12:11
